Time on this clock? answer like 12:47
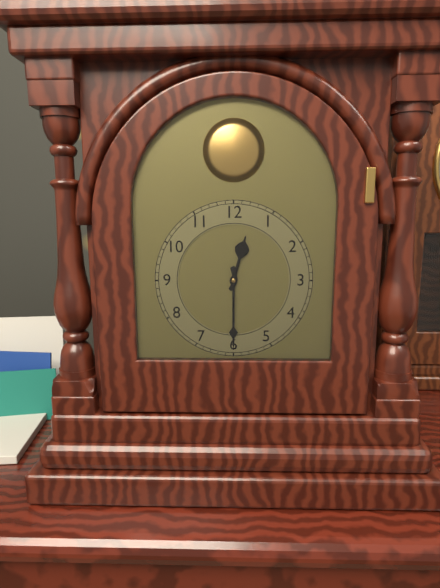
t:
12:30
